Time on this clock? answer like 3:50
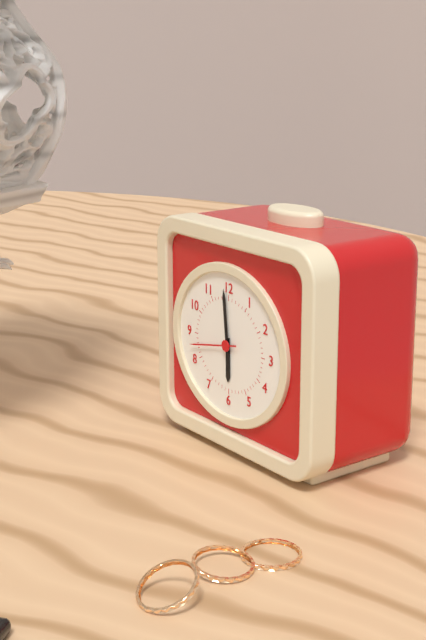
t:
5:59
